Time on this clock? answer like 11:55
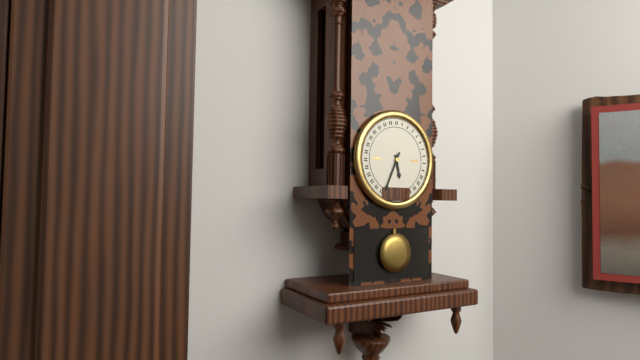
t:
5:34
